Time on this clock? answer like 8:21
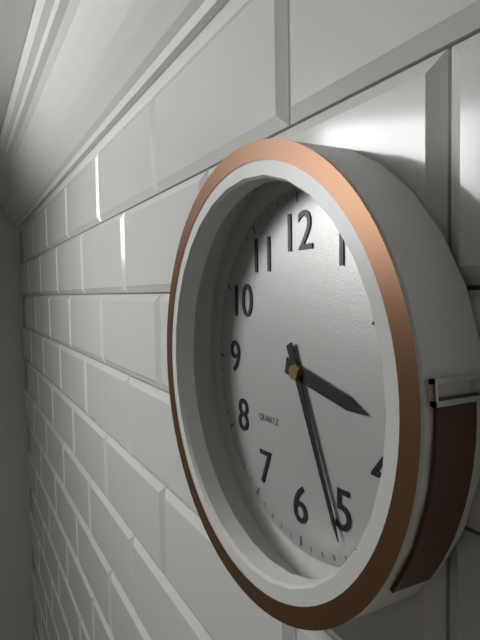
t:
3:26
